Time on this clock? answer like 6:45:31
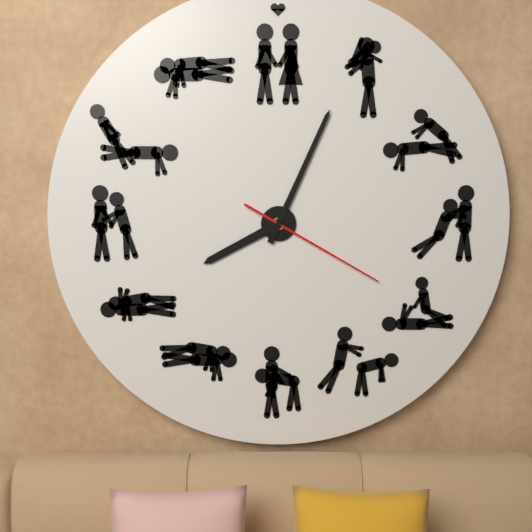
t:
8:04:20
